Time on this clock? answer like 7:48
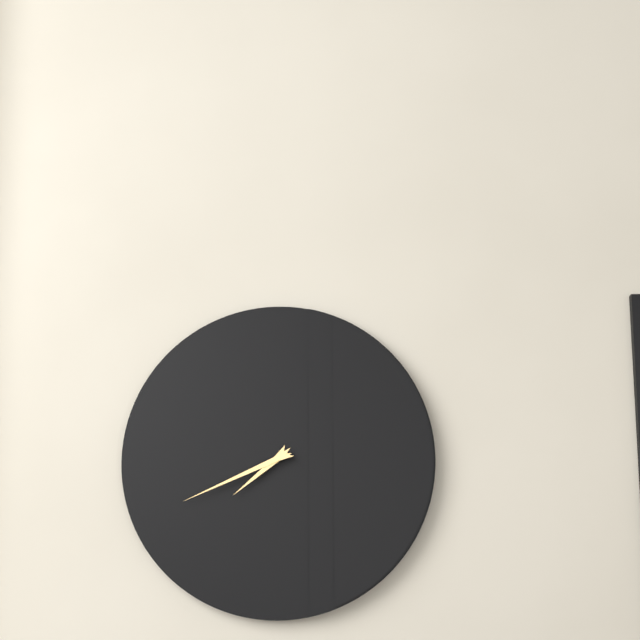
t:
7:41
